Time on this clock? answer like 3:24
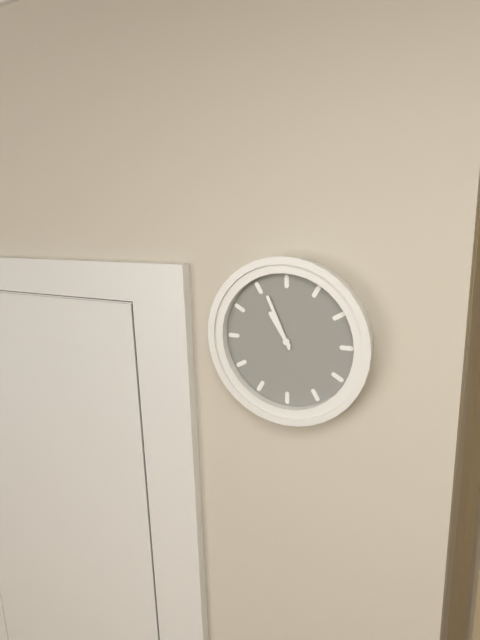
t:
10:56
